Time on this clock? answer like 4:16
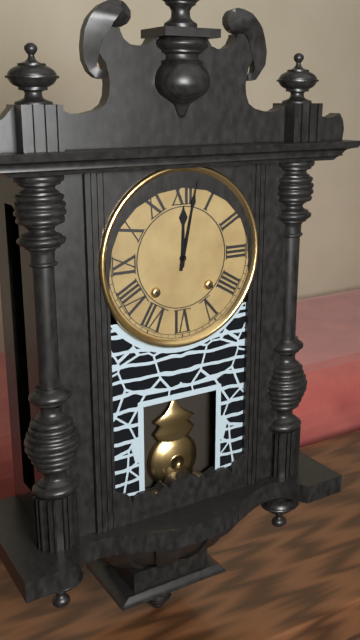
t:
12:02
